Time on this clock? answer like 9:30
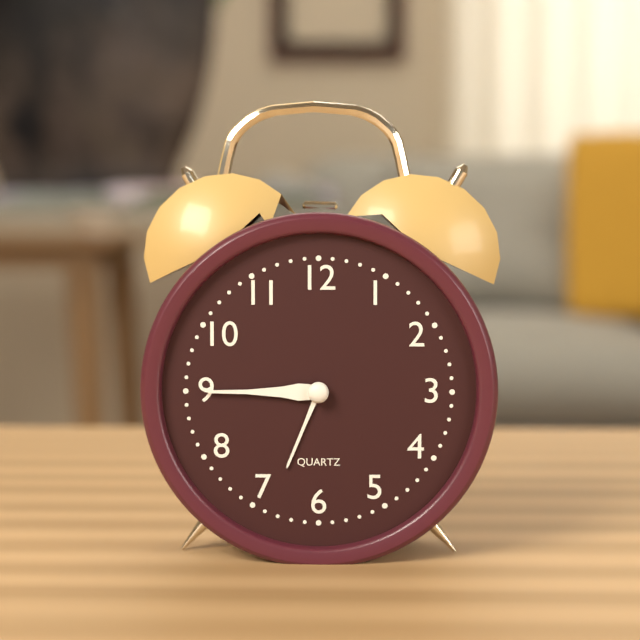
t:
6:45
